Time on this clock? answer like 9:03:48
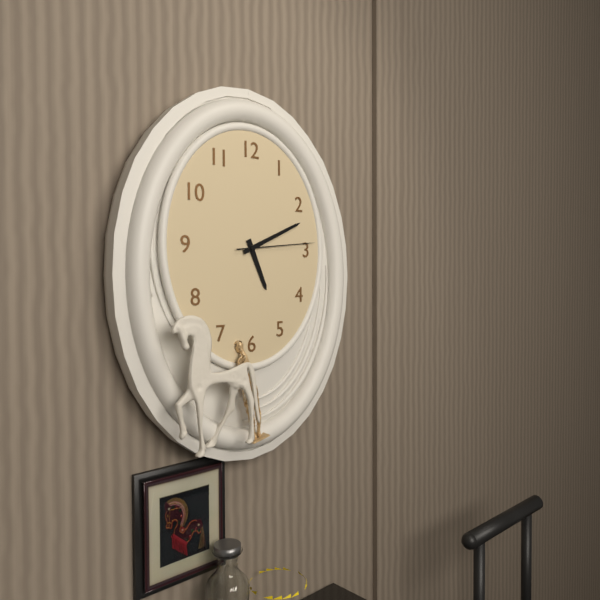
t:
5:11:14
